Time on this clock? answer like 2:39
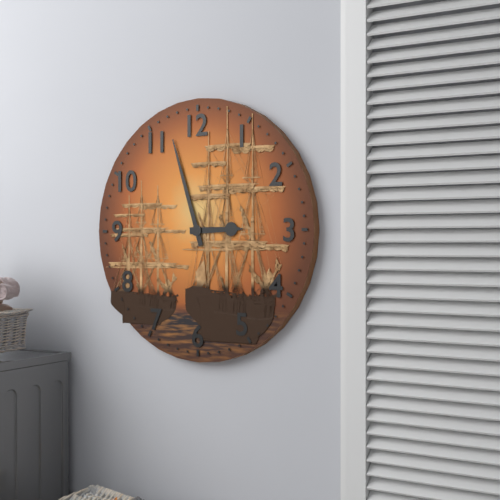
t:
2:57
